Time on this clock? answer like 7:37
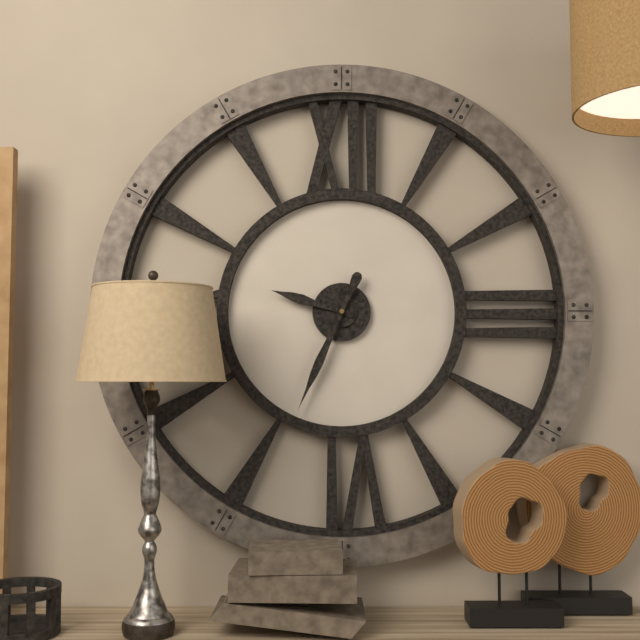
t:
9:34
